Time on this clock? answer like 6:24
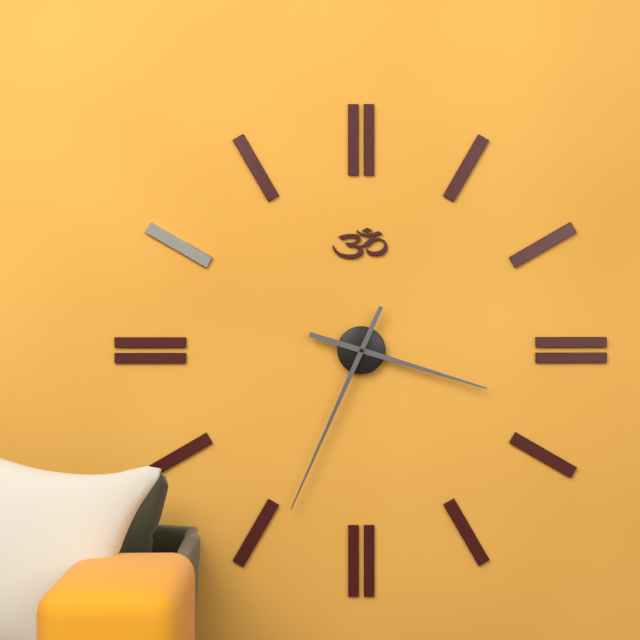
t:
3:34
